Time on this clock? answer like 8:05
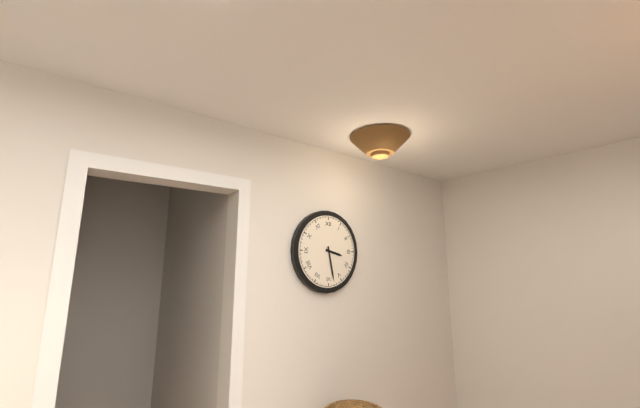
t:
3:28
